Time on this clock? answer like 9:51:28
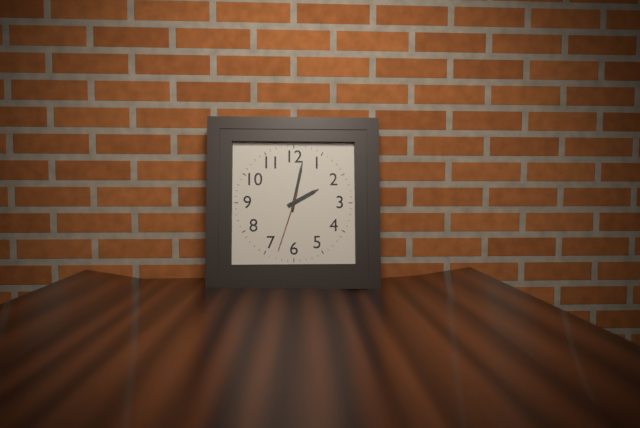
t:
2:02:33
